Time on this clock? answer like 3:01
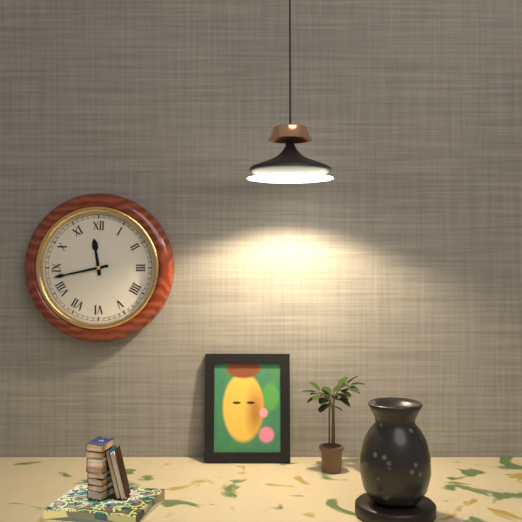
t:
11:43
